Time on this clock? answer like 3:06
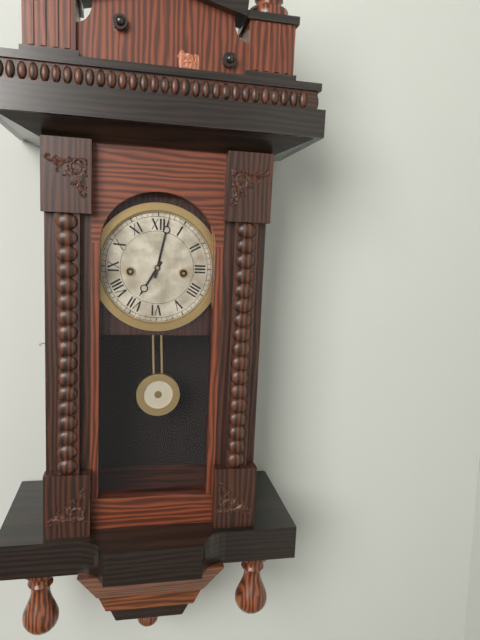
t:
7:02
